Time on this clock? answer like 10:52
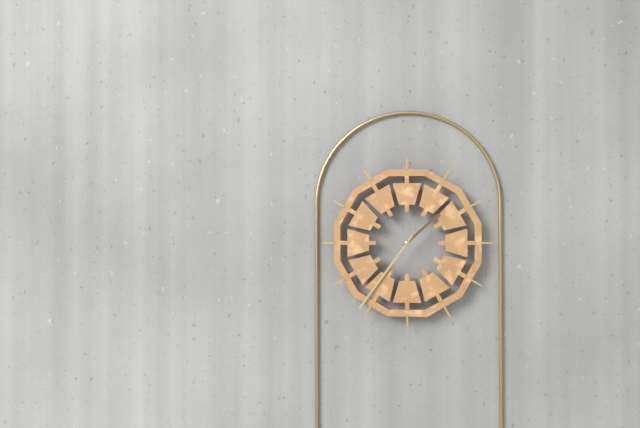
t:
1:36
